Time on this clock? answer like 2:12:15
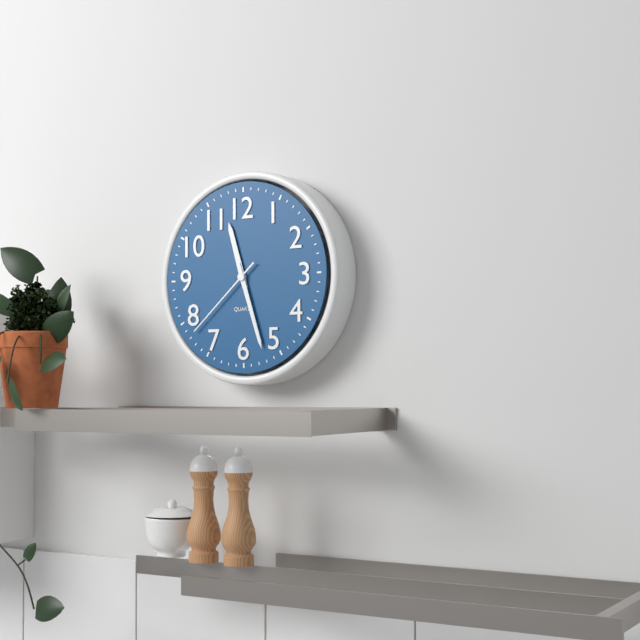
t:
11:27:38
